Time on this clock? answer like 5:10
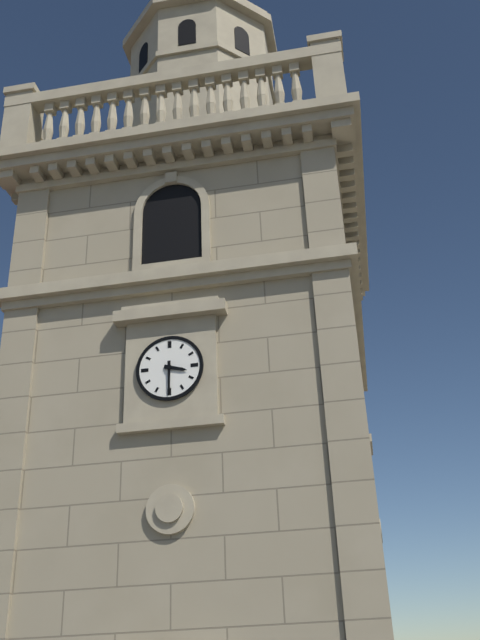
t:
3:30
